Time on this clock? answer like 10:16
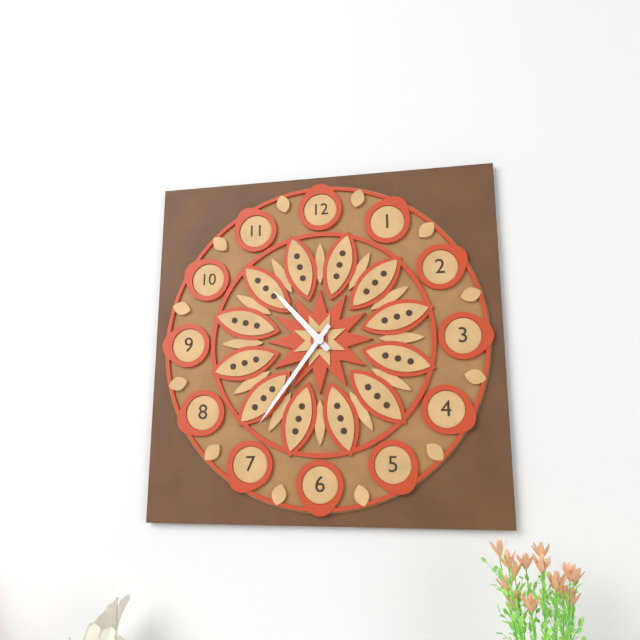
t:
10:36
